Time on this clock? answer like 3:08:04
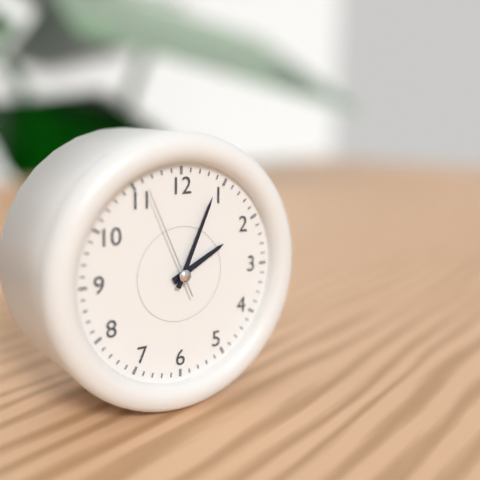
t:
2:04:56
